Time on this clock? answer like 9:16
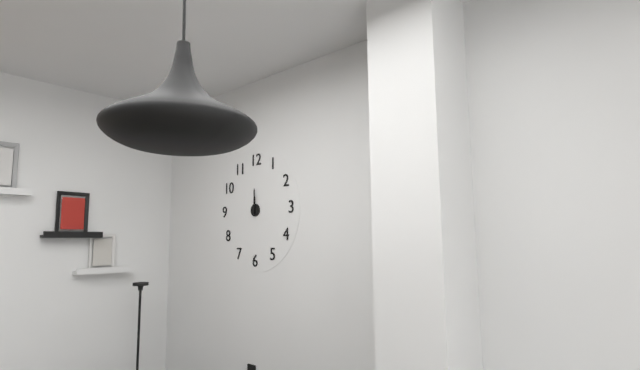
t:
12:00
